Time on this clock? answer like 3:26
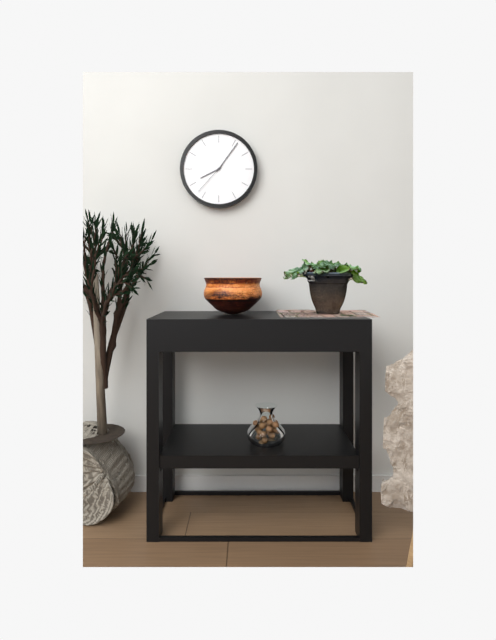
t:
8:06
